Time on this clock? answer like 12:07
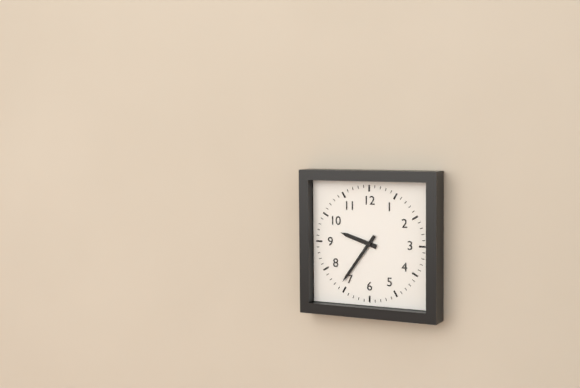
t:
9:36
